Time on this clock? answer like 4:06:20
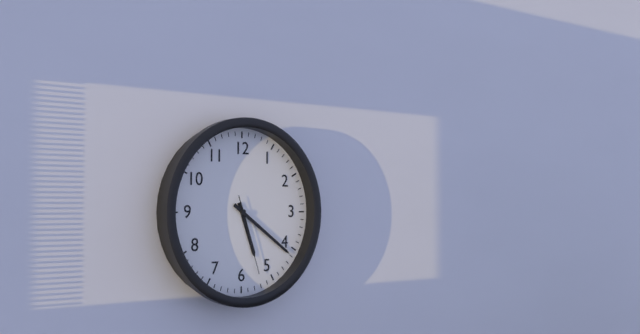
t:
5:21:27
